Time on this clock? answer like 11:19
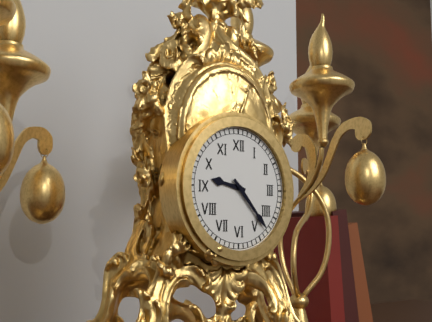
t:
9:23
